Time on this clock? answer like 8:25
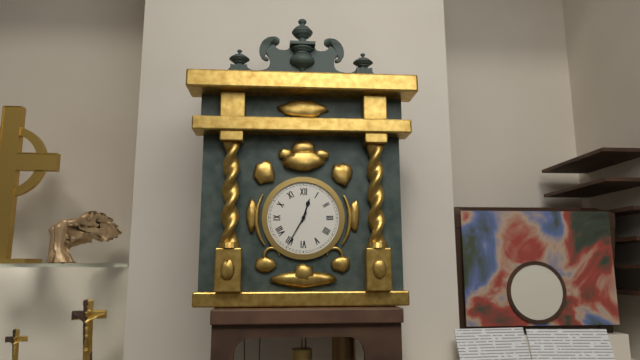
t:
12:35
